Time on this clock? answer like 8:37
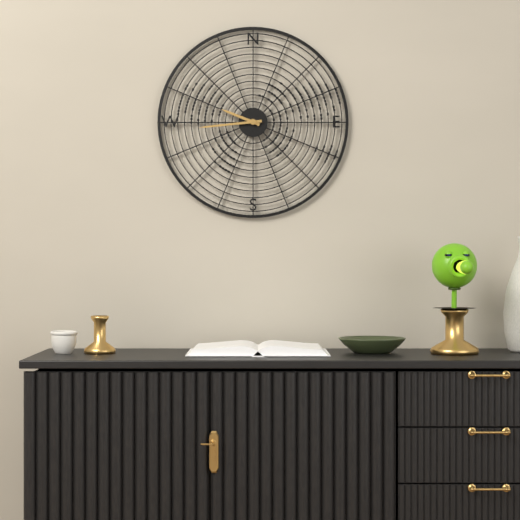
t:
9:44
